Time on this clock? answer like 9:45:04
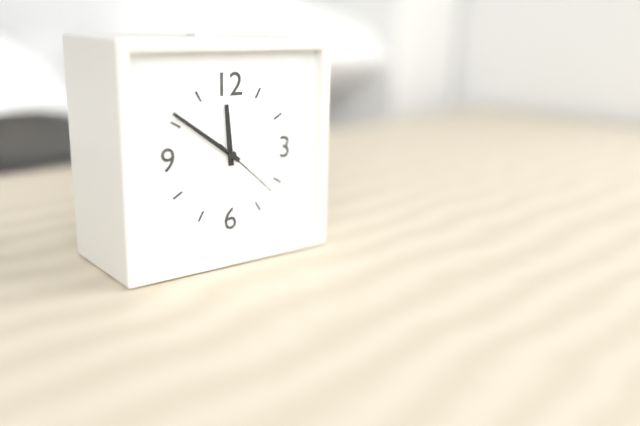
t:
11:51:22
